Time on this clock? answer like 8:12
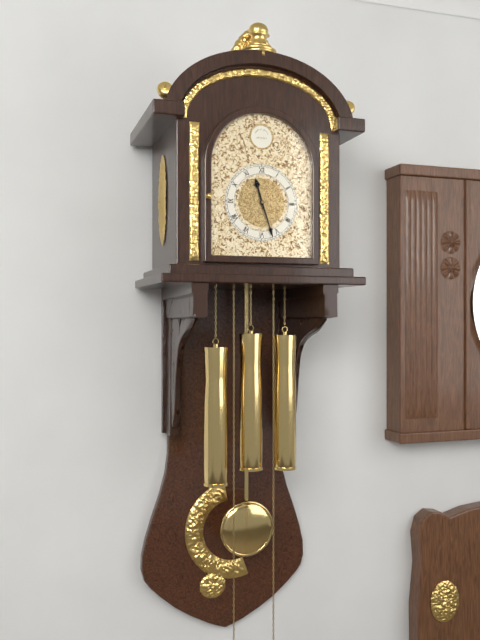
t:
11:27
